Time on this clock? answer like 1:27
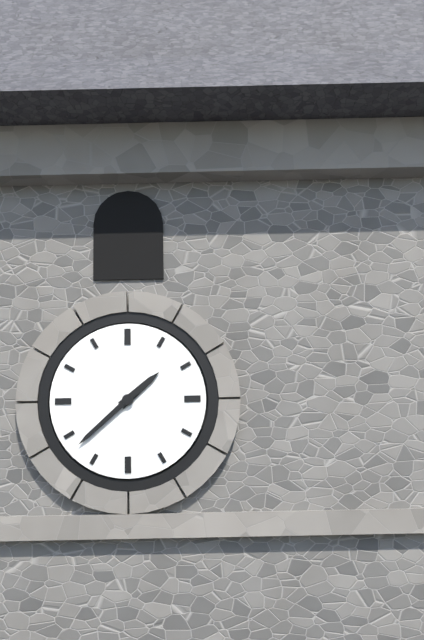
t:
1:38
